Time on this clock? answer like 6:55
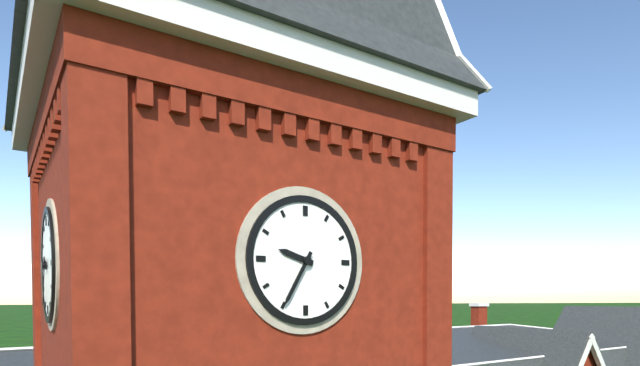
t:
9:35
